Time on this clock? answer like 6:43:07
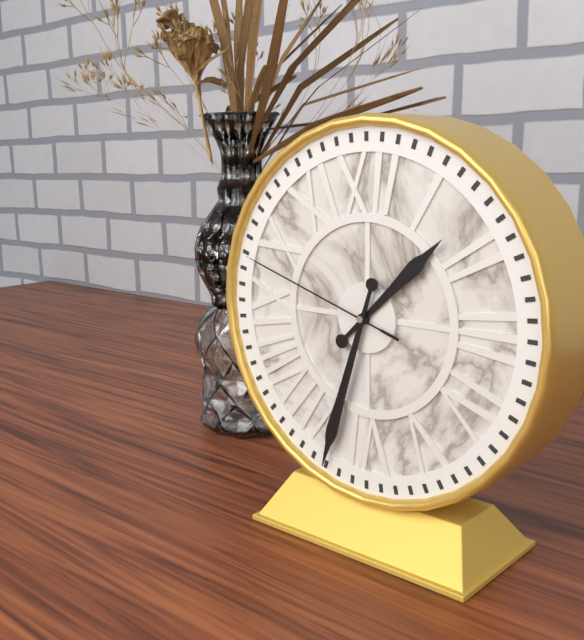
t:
1:33:48
